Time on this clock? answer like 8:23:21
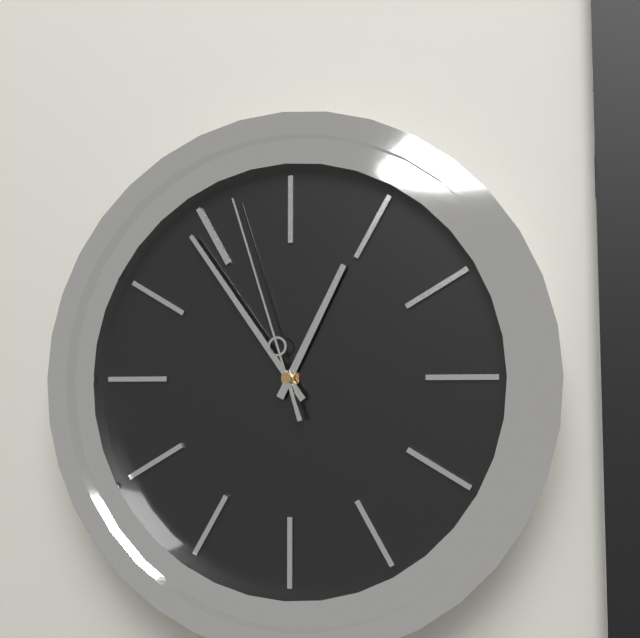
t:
12:54:57
